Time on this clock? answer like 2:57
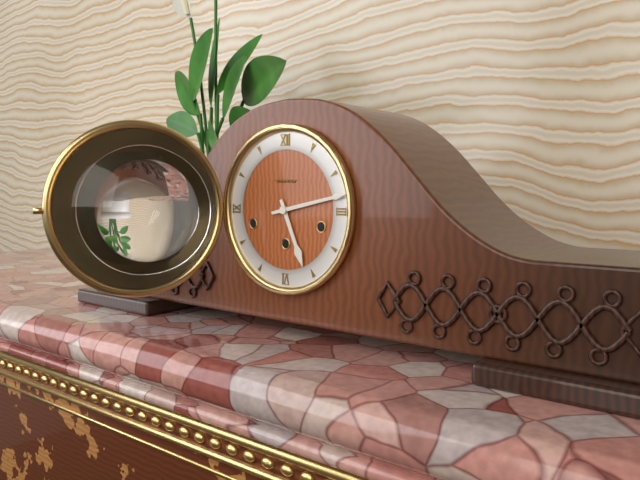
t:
5:13
